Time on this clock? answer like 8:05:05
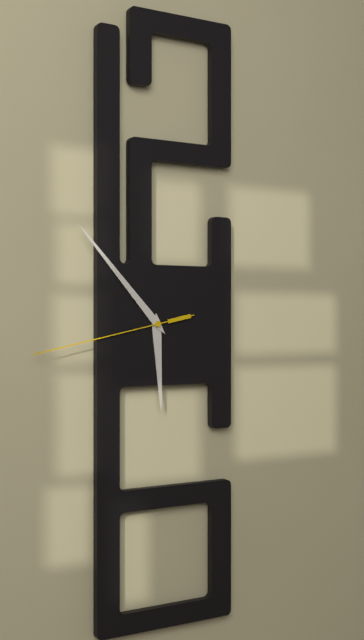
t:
5:53:43
